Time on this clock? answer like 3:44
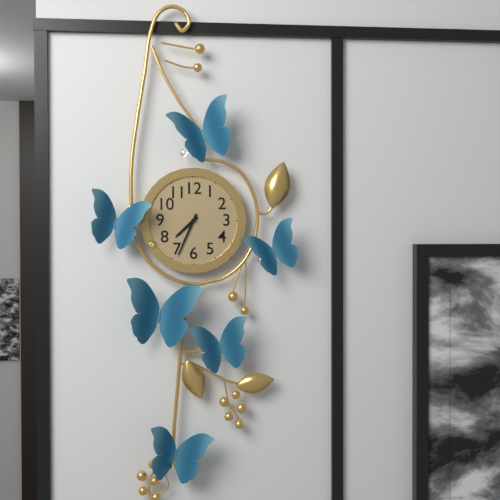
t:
7:34
